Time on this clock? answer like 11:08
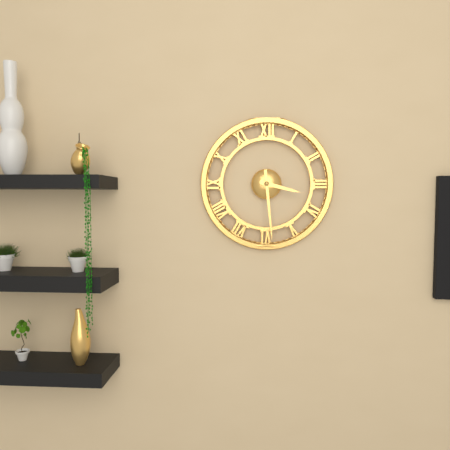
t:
3:29
